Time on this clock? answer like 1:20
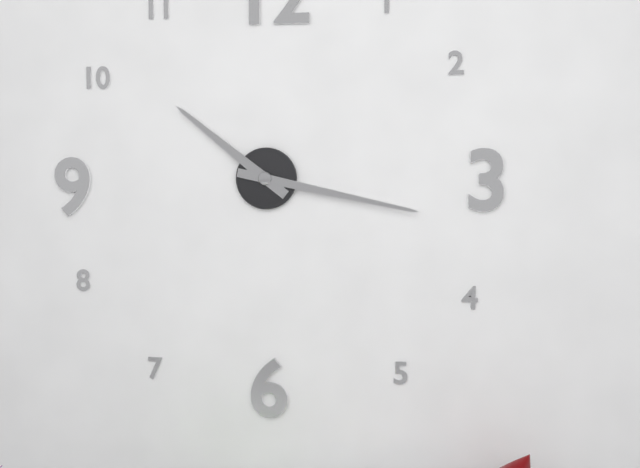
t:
10:17
